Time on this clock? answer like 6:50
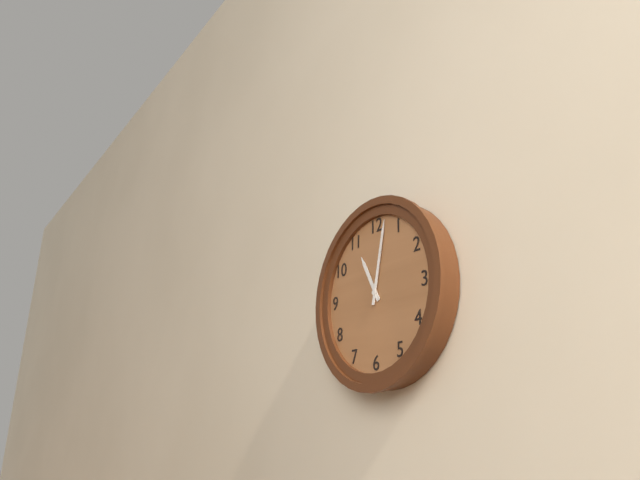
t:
11:02
